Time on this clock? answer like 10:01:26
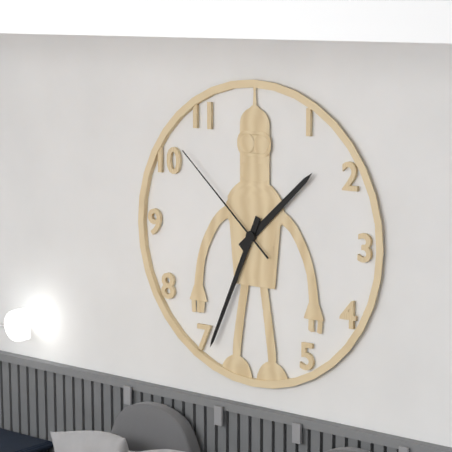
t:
1:34:52
